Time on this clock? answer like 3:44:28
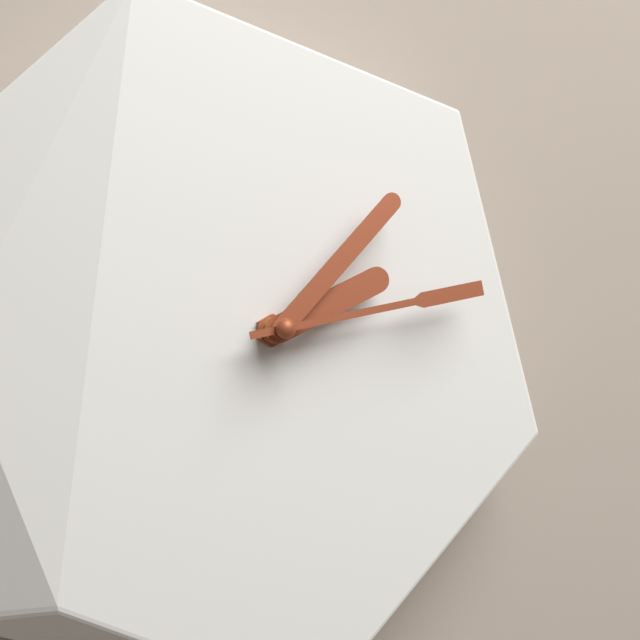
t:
2:07:13
